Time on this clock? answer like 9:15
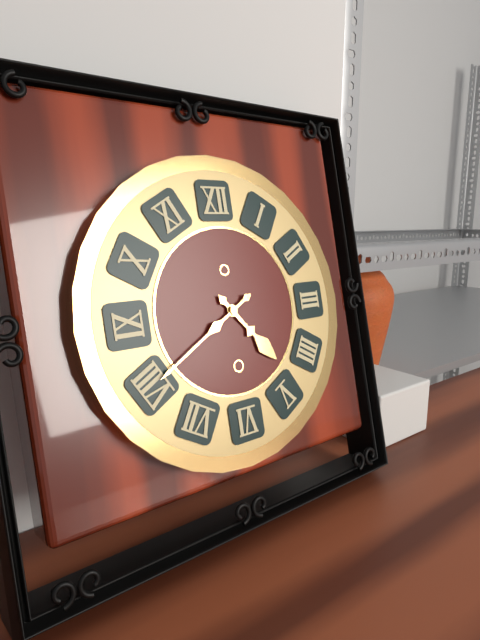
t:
4:40
